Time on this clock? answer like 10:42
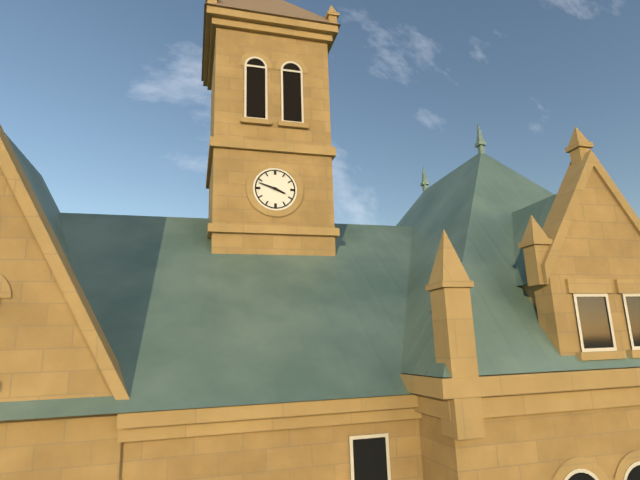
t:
3:48
